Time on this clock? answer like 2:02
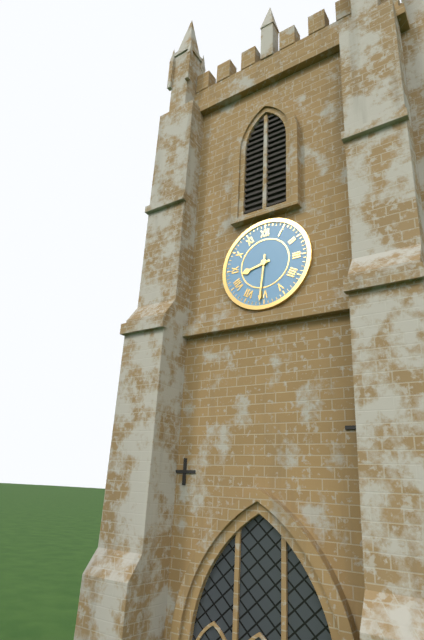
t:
8:31
